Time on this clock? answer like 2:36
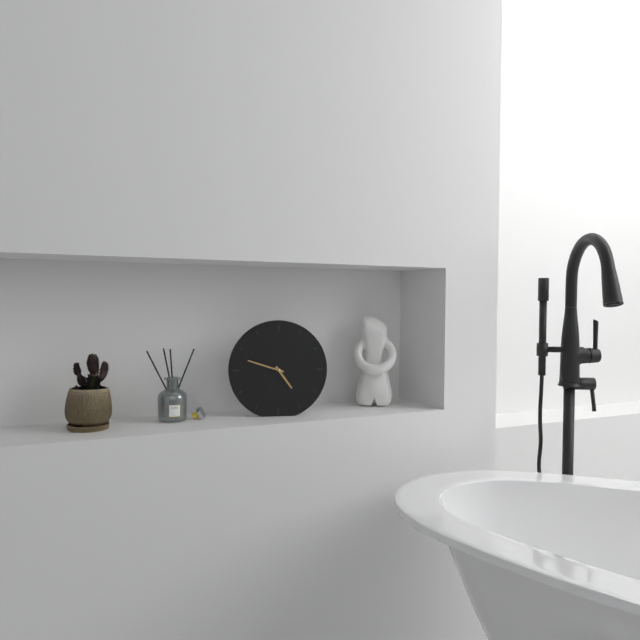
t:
4:48
